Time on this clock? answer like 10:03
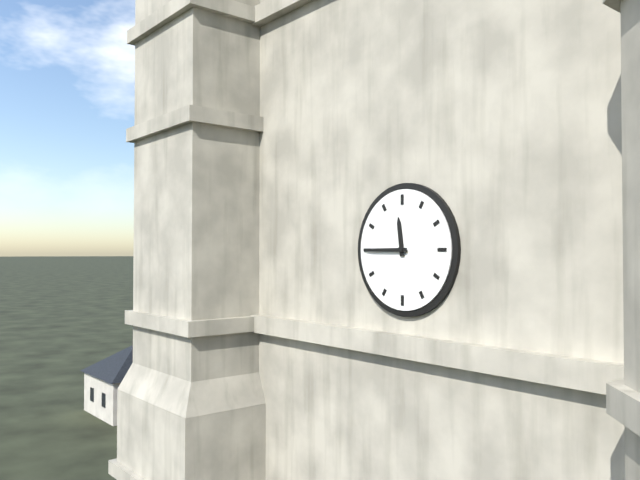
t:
11:45
